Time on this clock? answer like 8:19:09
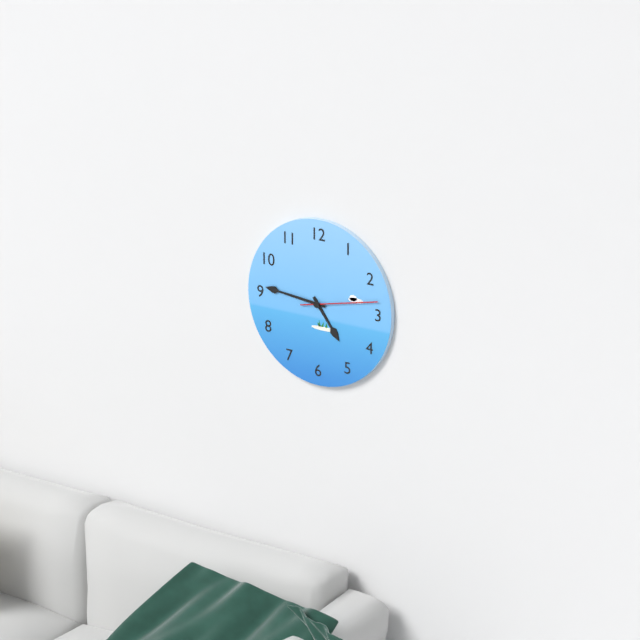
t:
4:46:13
